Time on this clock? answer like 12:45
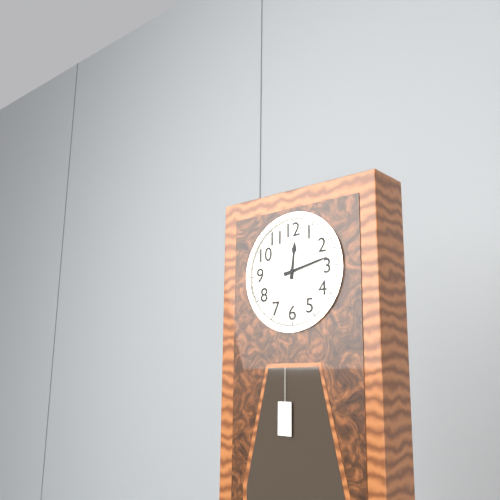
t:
12:13
